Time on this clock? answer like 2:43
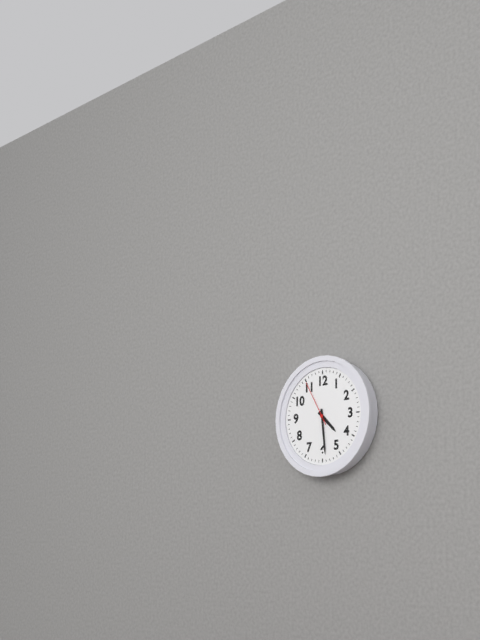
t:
4:29
